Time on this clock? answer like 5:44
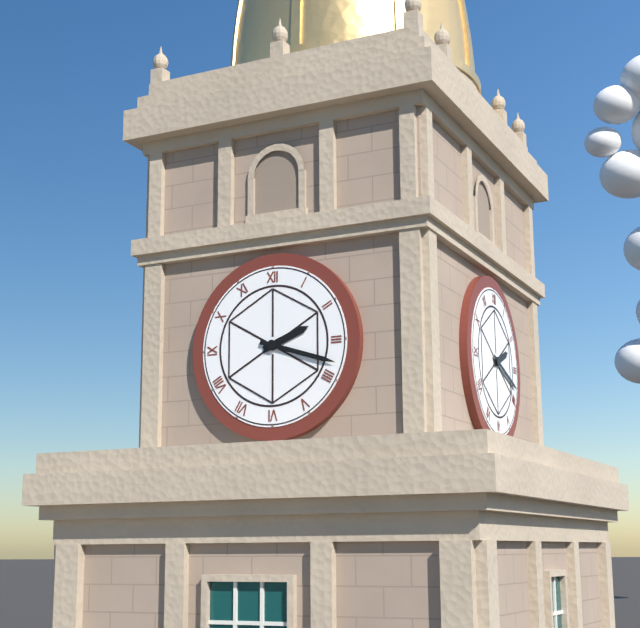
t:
2:18
